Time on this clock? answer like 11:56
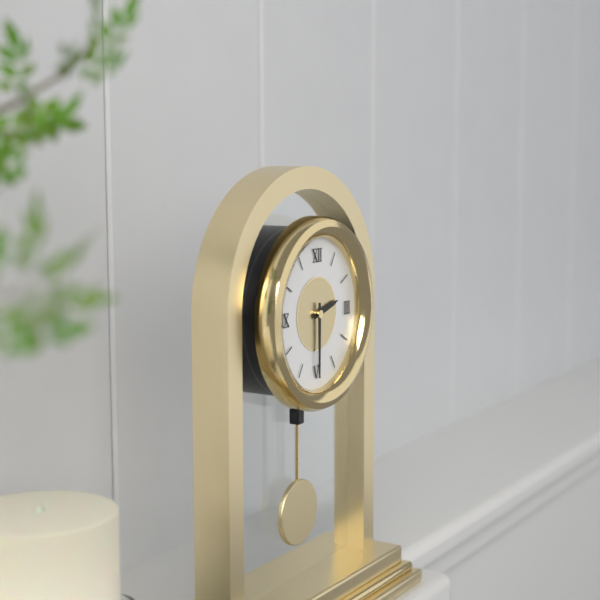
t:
2:30
